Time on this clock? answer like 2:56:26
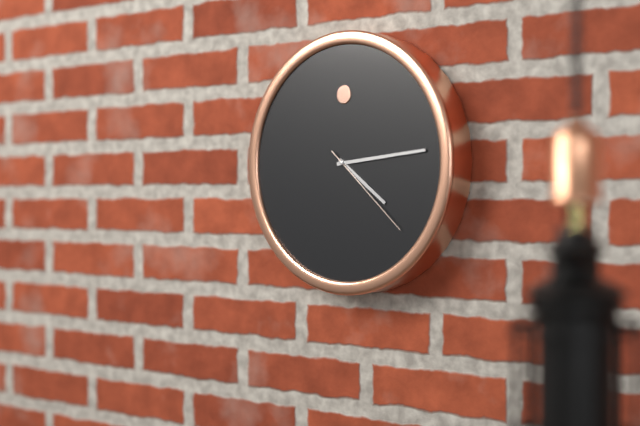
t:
4:14:22
